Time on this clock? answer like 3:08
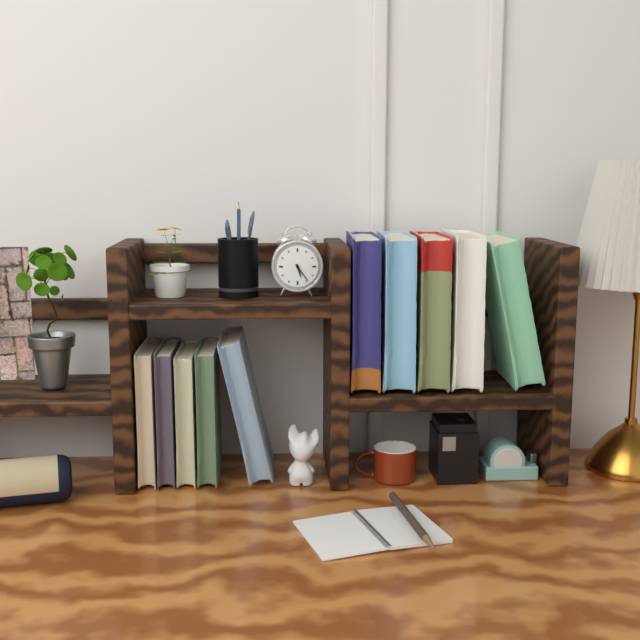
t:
5:24
